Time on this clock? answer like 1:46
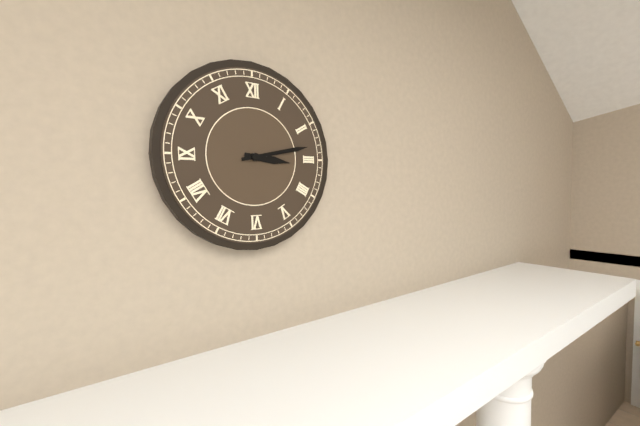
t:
3:13
